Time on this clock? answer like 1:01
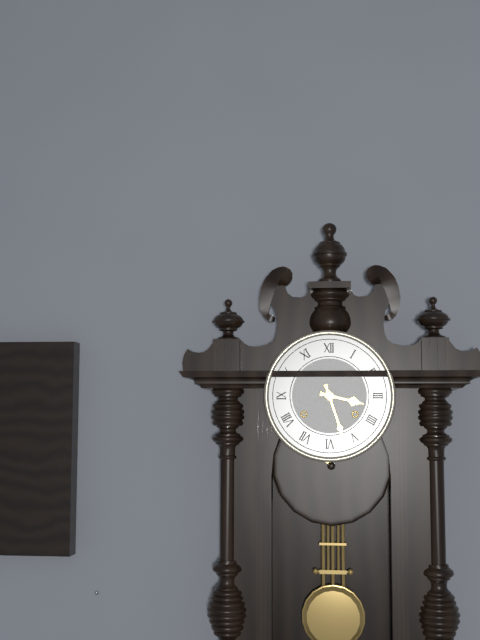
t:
3:27
